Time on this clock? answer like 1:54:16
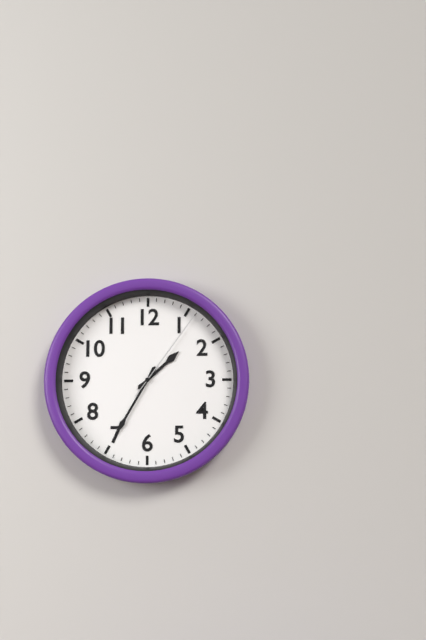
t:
1:35:06
